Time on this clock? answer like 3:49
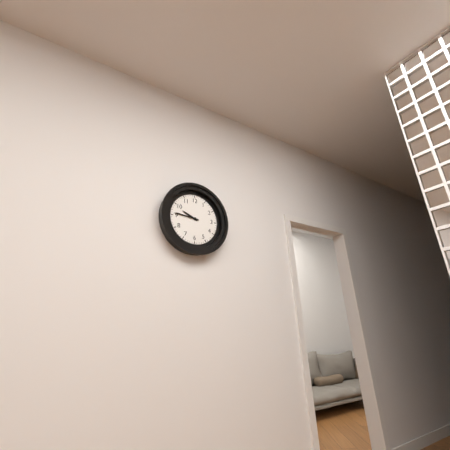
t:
9:46
